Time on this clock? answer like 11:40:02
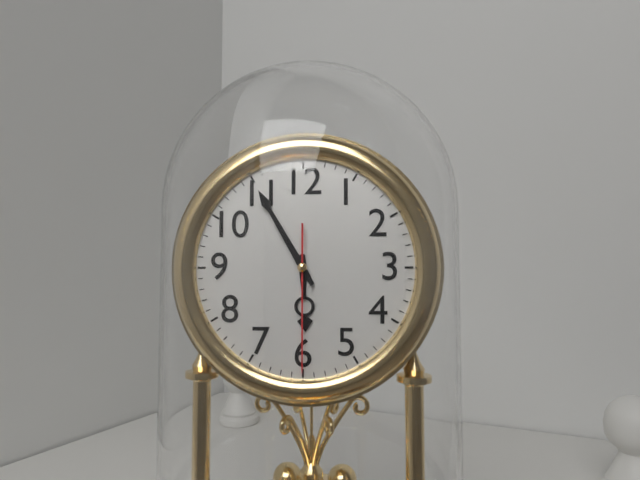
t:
5:55:30
